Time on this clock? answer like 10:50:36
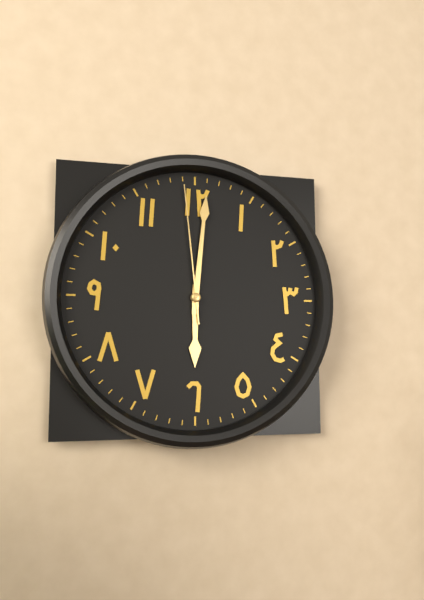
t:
6:01:59
